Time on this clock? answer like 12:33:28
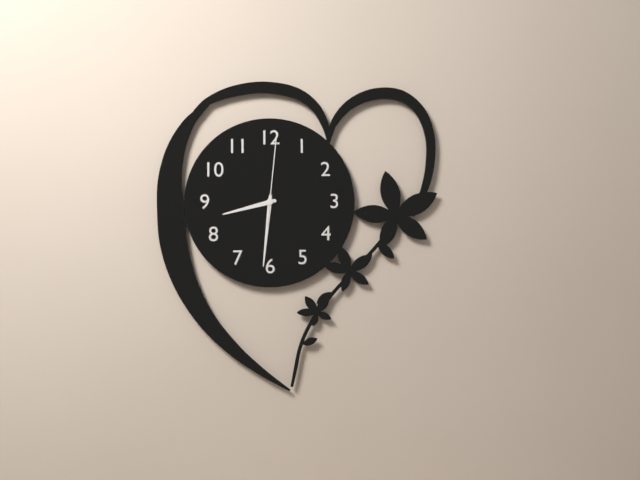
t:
8:31:01
